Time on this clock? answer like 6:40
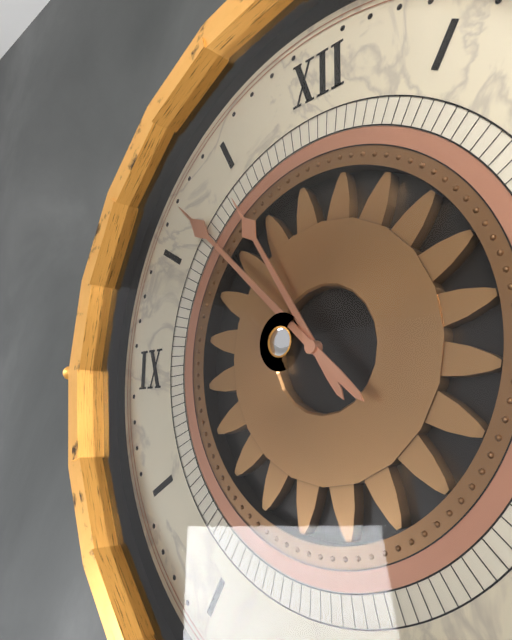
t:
10:52
